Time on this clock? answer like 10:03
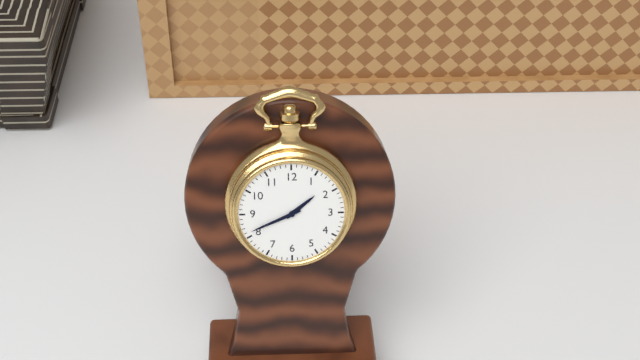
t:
1:41
